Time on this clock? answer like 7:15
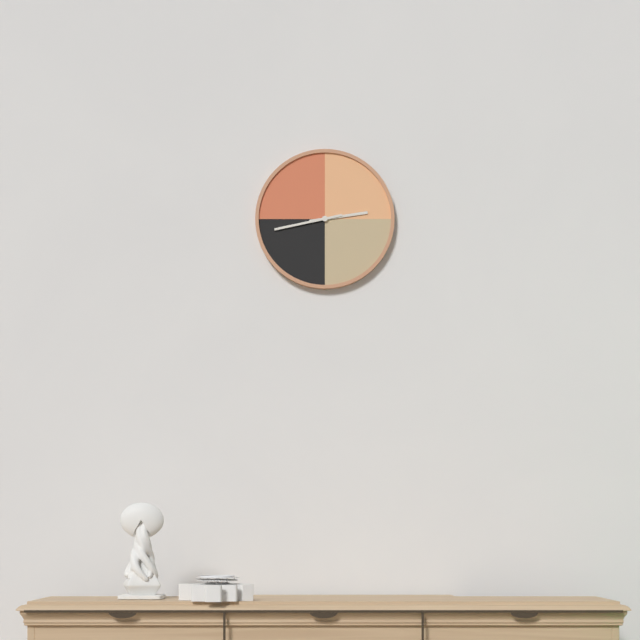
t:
2:43
